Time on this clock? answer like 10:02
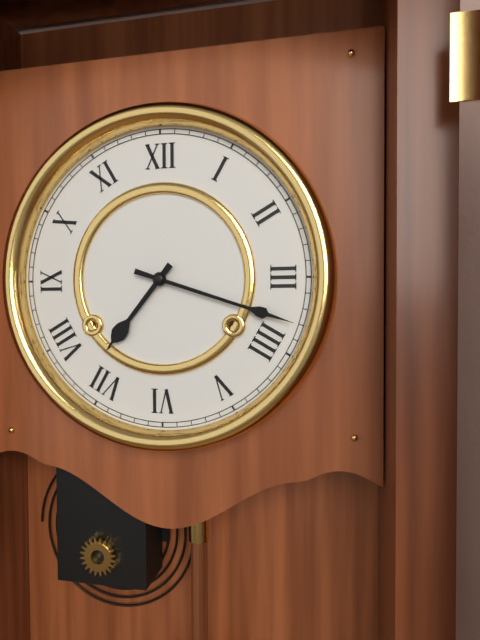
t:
7:18
